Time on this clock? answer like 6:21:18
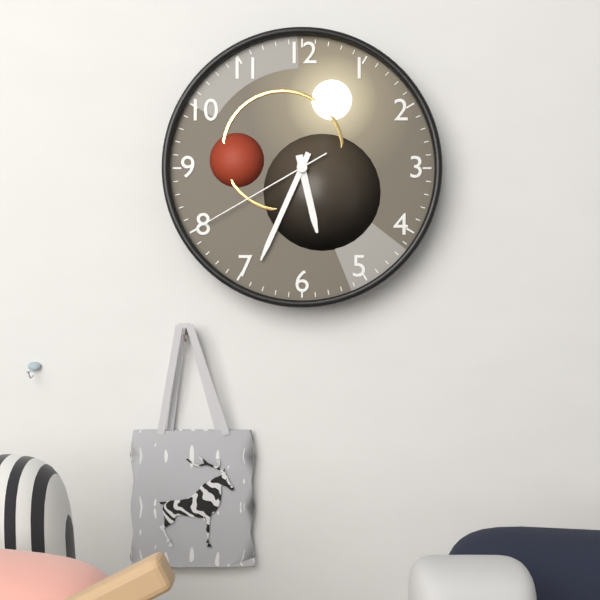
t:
5:34:40
